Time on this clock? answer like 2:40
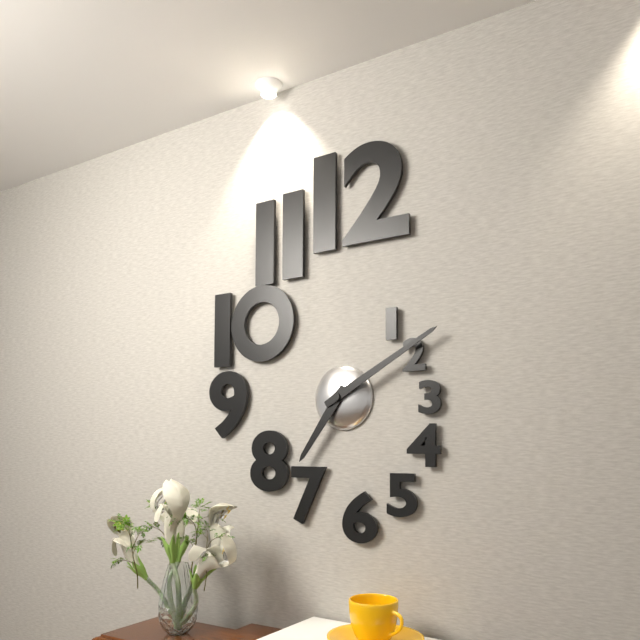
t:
7:10
